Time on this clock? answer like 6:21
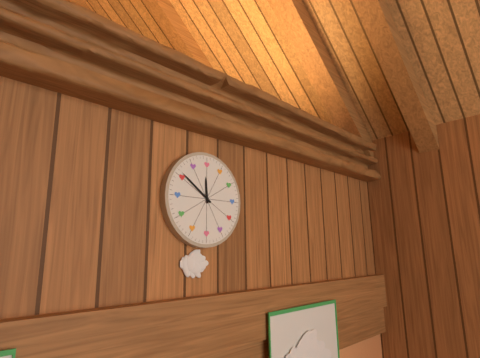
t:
11:51
